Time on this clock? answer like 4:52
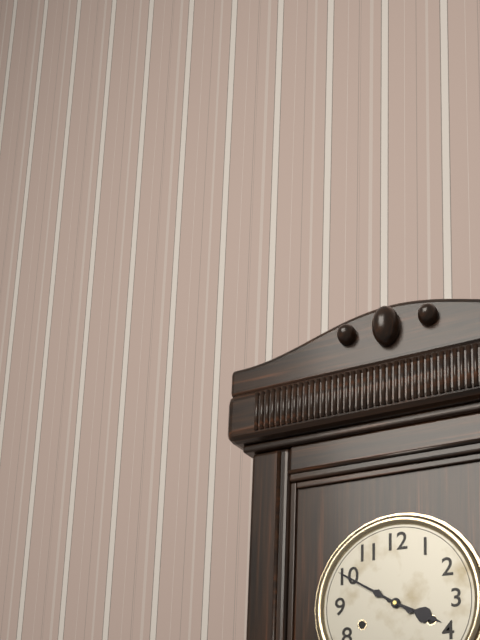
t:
3:50
